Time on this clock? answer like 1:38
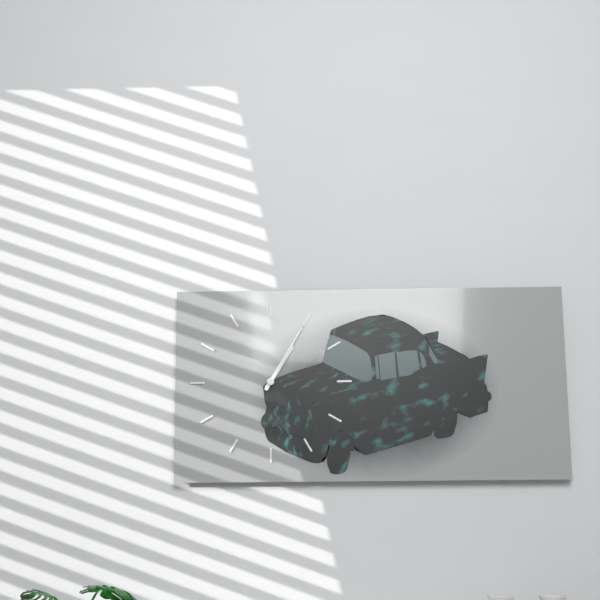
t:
1:05
